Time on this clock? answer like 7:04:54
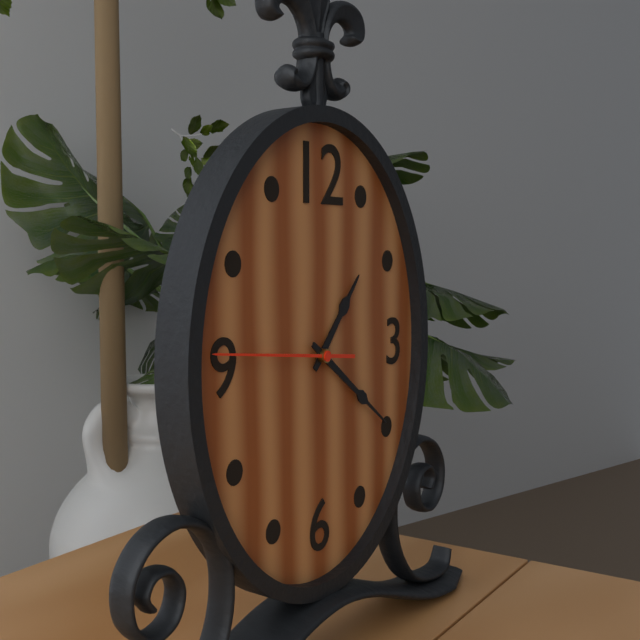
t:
1:21:46
